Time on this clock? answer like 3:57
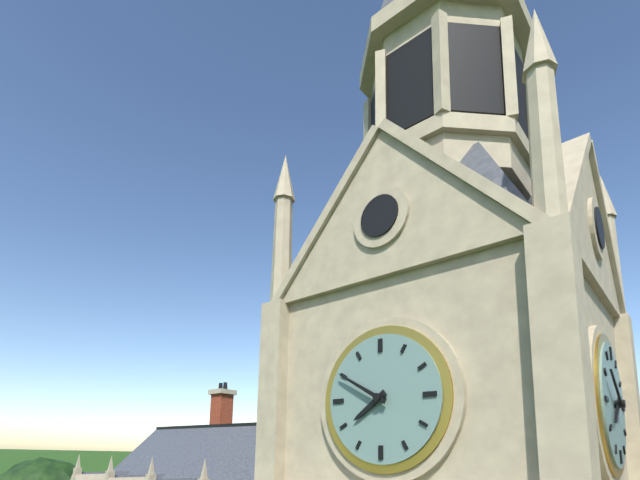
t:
7:50
